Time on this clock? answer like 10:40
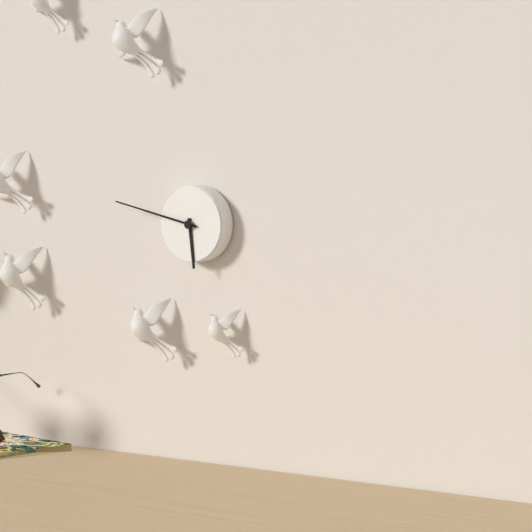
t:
5:47
